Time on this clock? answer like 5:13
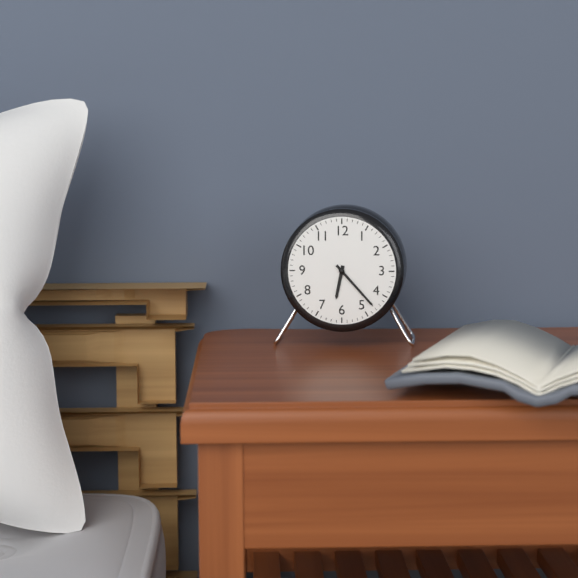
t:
6:23
